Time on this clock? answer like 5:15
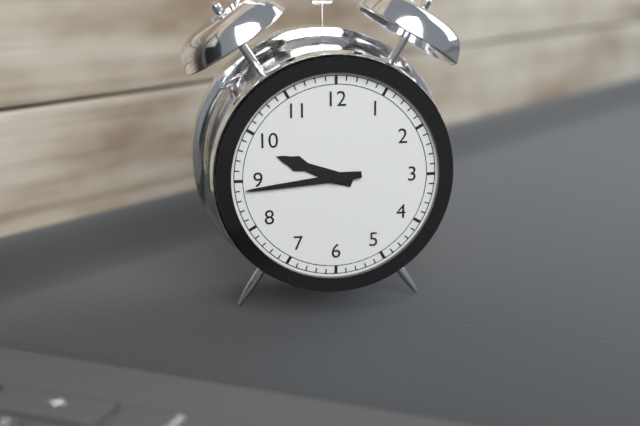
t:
9:44
